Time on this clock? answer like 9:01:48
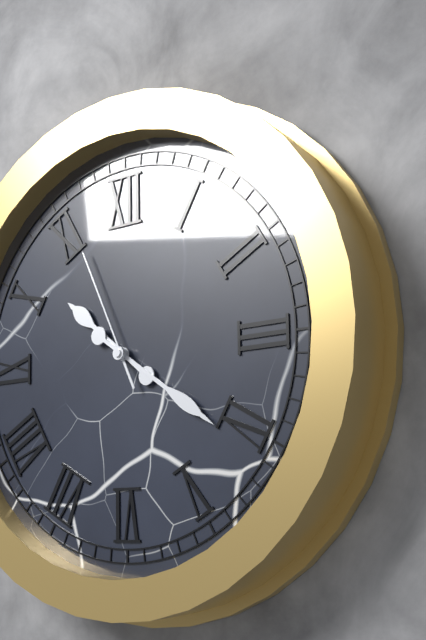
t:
10:21:56
